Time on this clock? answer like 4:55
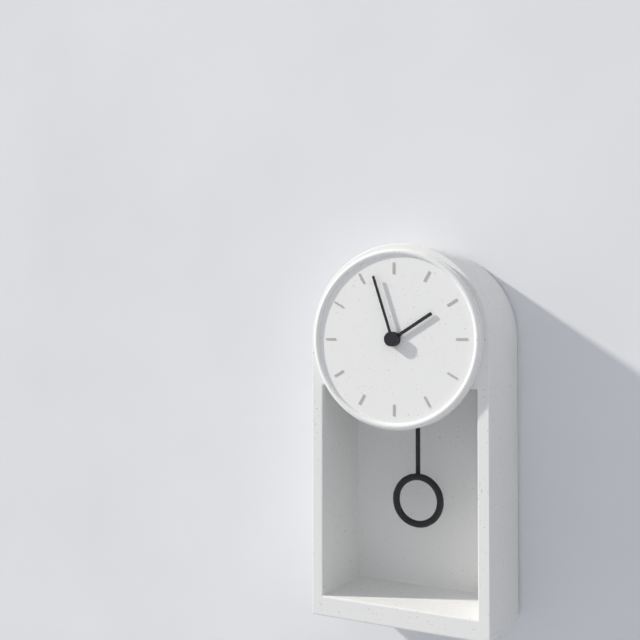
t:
1:57
